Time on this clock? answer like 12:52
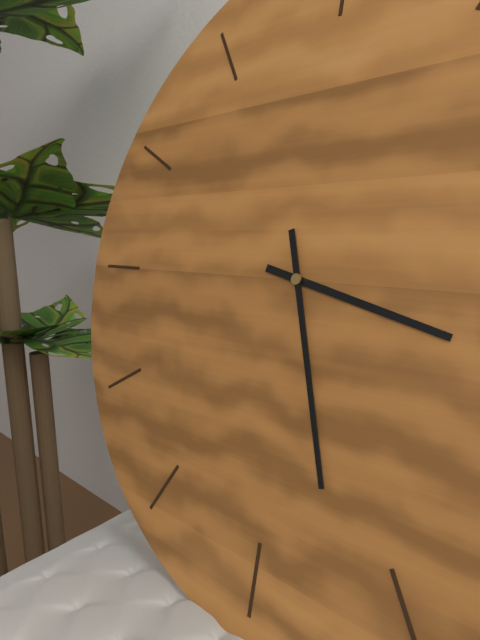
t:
3:27
